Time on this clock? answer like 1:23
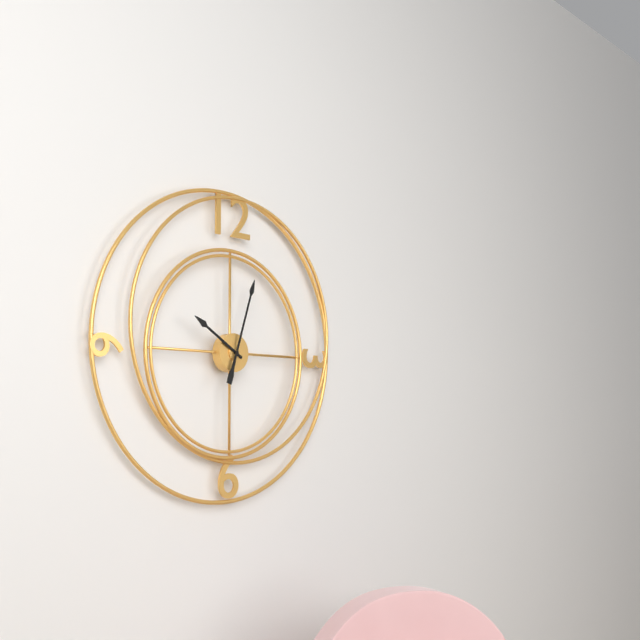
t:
10:03
